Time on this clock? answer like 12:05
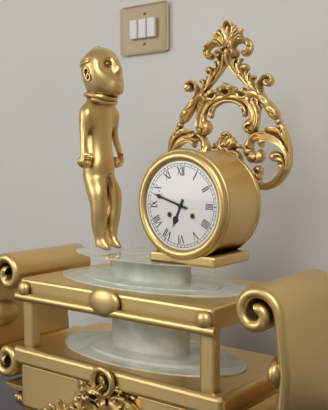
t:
6:48
